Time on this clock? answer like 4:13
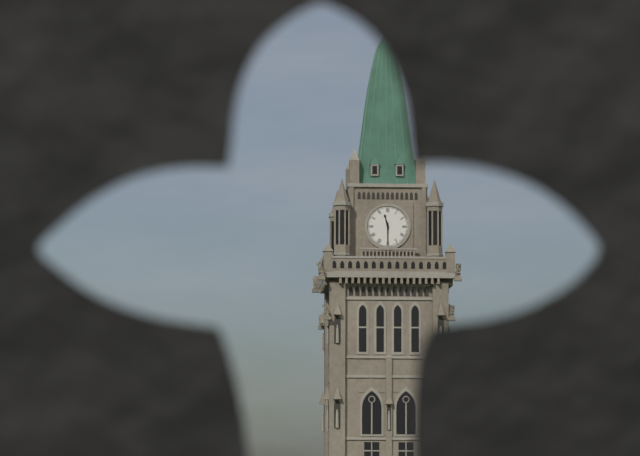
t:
11:30
